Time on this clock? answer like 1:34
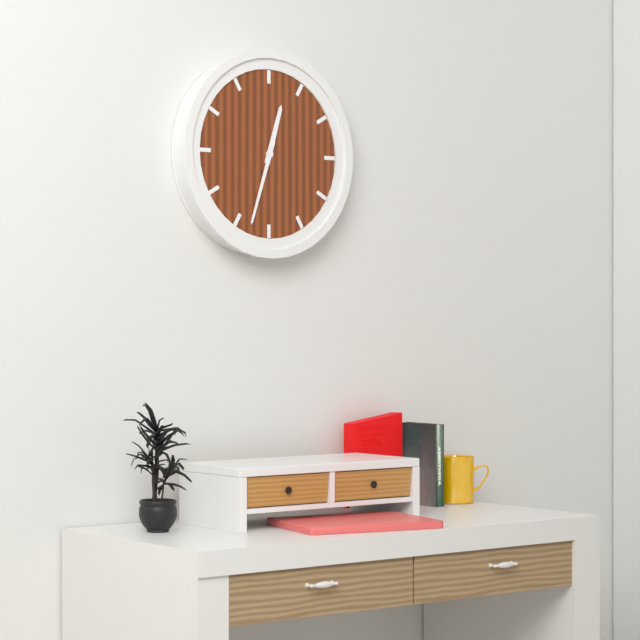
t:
12:33
